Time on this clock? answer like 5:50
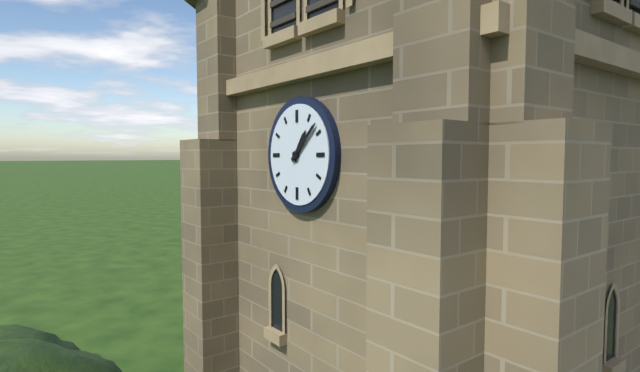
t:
1:08
